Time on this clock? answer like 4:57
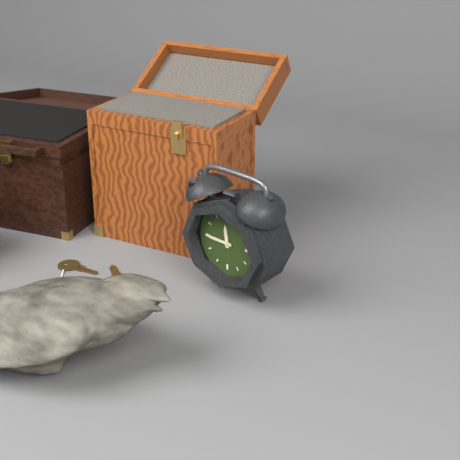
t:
11:45
